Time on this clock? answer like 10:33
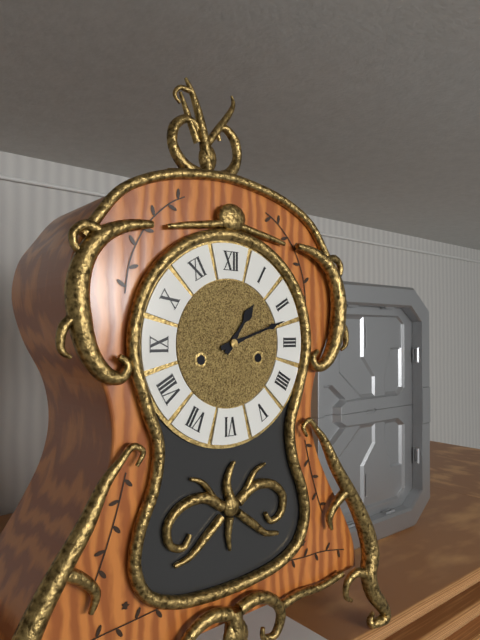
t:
1:12
